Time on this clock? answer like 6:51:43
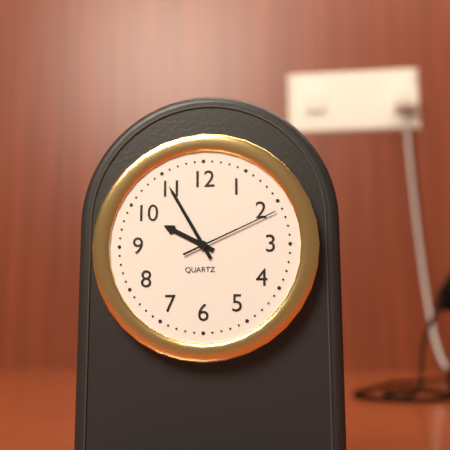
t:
9:55:11
